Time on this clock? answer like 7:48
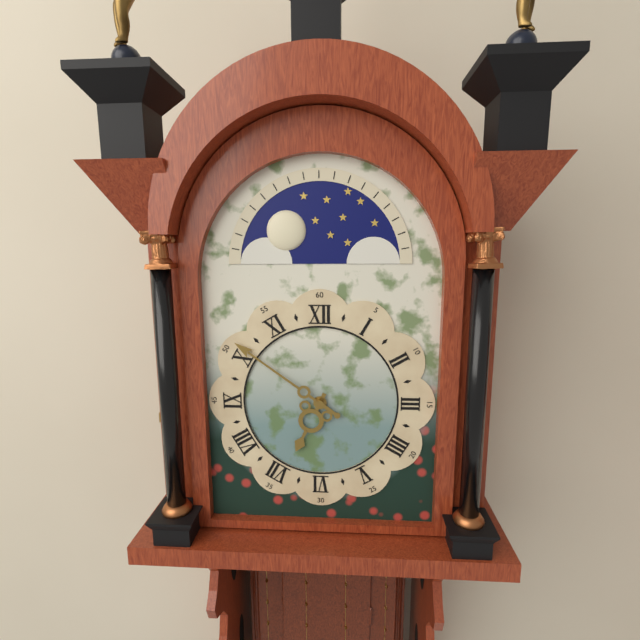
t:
6:51
